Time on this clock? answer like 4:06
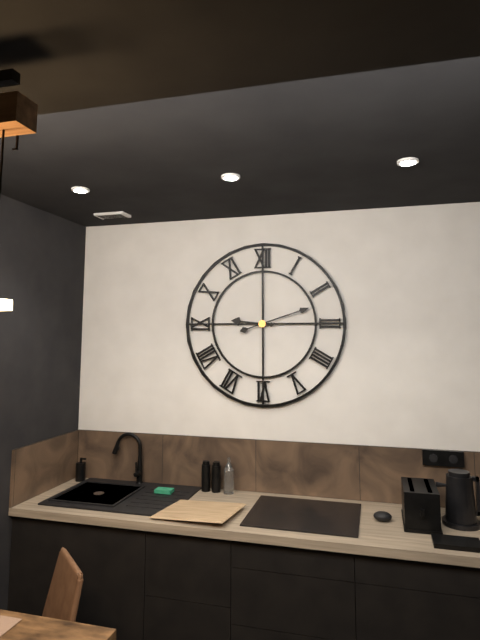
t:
9:12
